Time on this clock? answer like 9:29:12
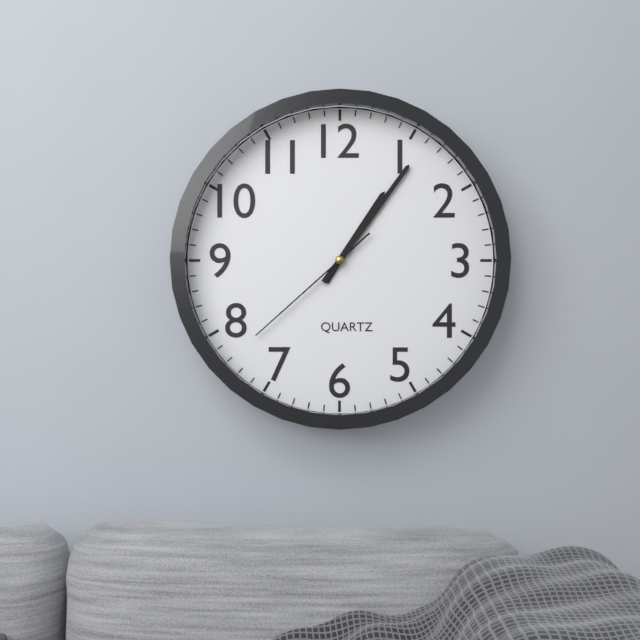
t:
1:06:38
